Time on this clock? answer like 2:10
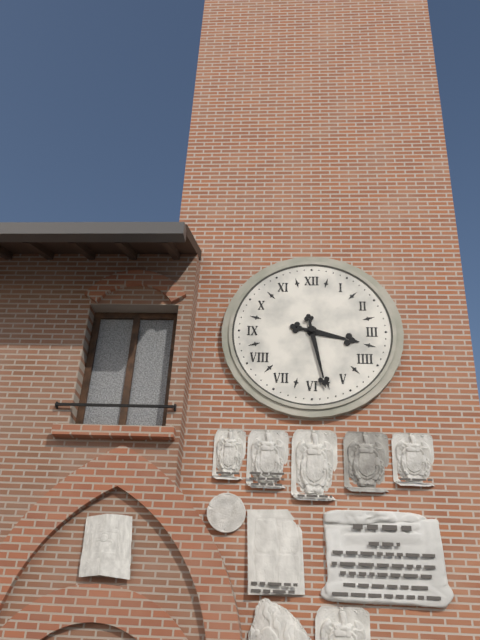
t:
3:28
